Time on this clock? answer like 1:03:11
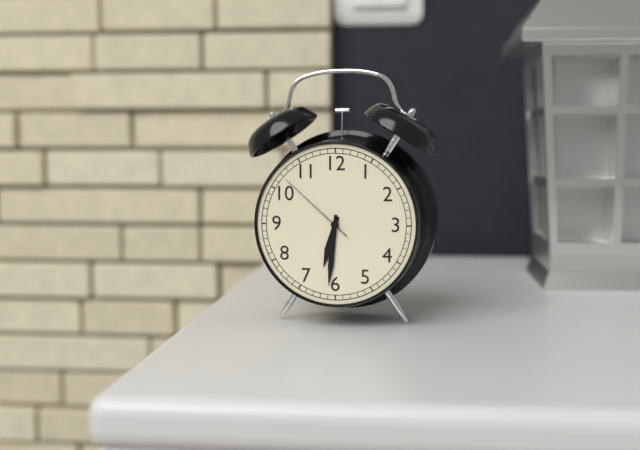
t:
6:31:52
